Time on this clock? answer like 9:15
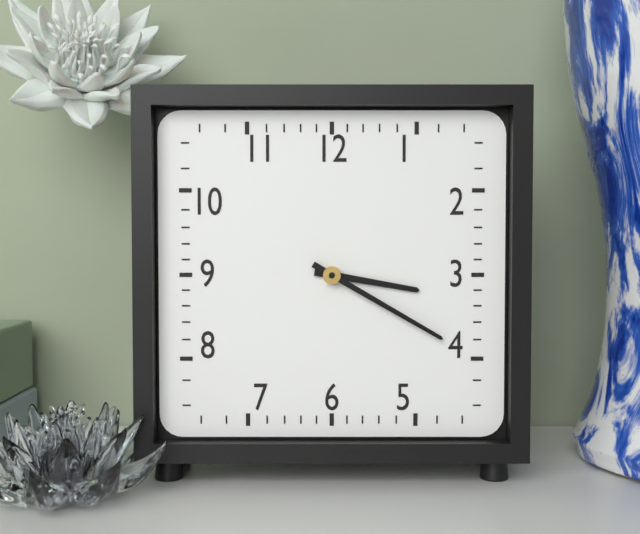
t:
3:20
